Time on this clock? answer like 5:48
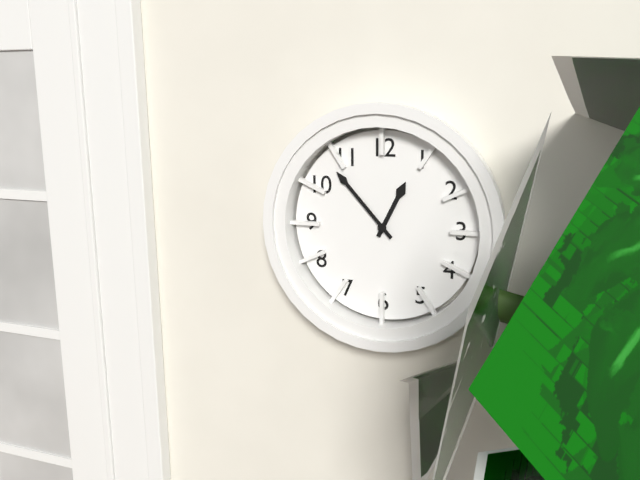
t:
12:53
